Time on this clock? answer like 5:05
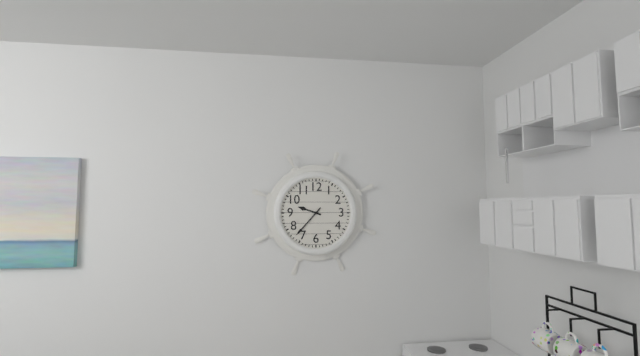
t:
9:37
